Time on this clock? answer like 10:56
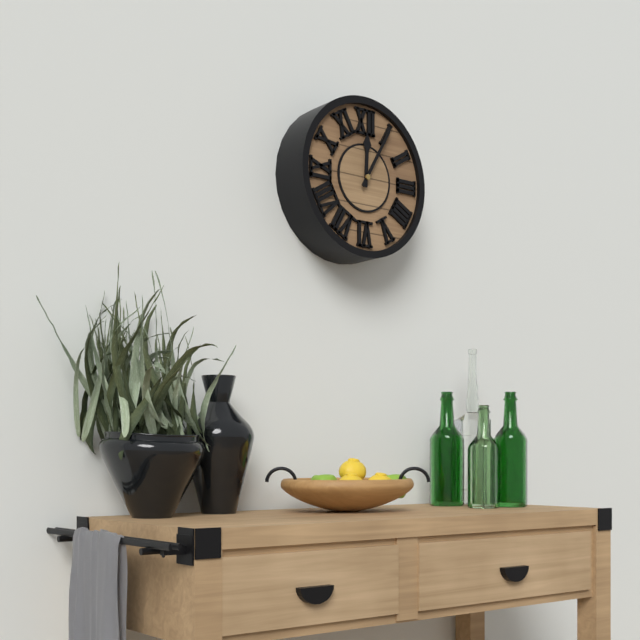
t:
12:05
